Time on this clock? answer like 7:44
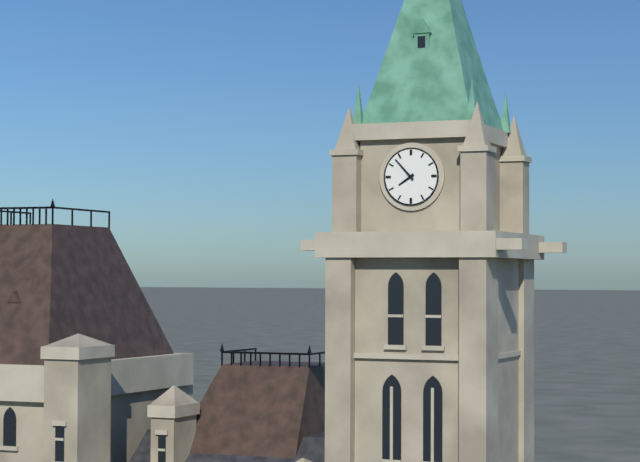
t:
7:53
